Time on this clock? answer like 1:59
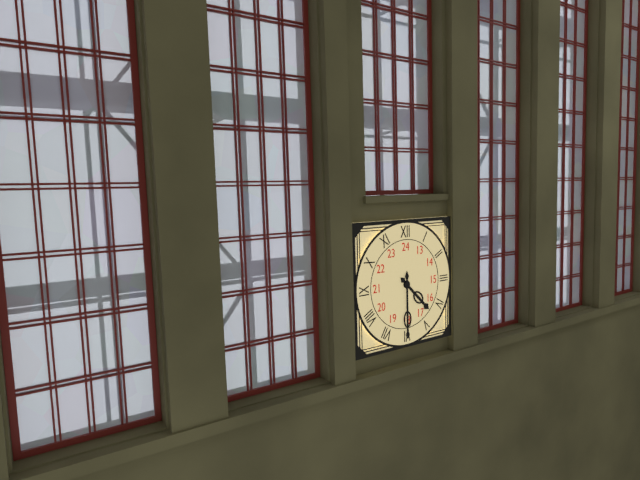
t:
4:30
